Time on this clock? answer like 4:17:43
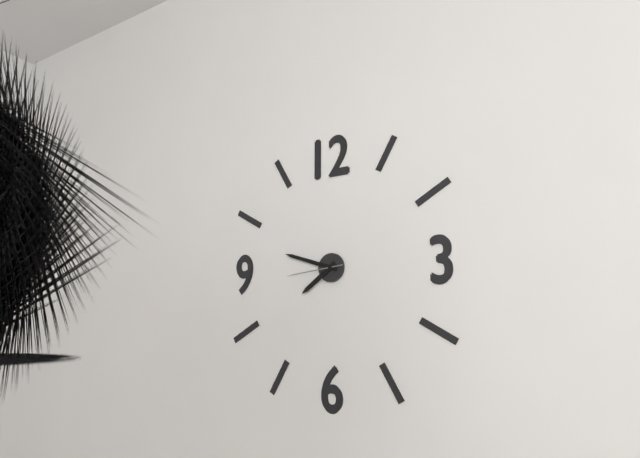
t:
7:48:44
